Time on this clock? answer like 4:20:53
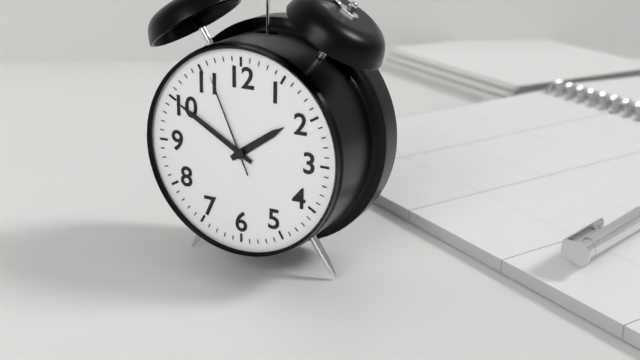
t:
1:50:56
